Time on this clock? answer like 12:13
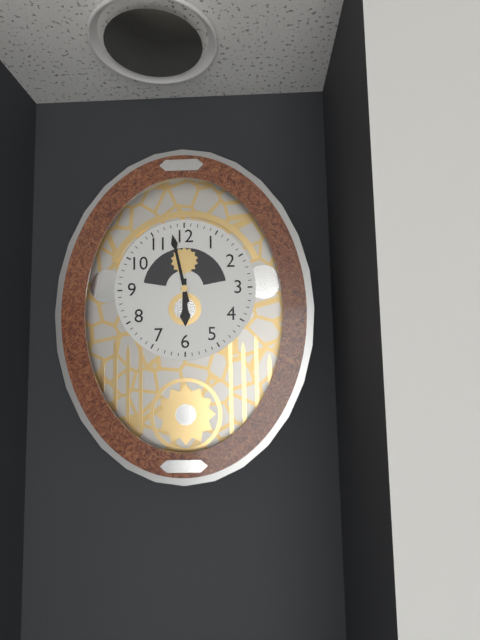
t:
5:58
